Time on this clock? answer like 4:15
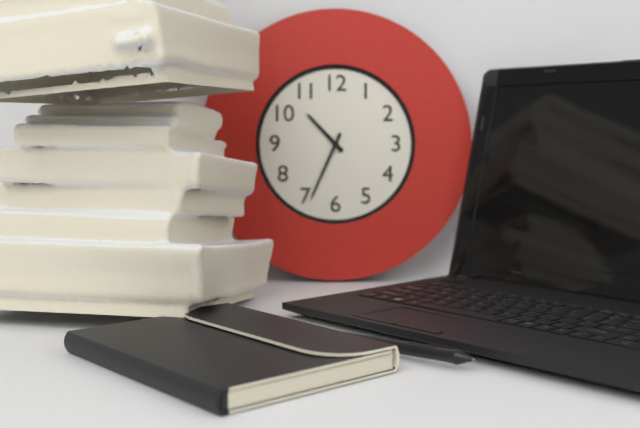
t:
10:34
